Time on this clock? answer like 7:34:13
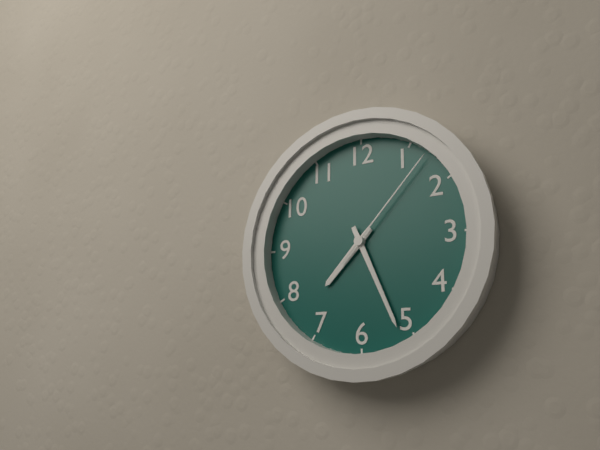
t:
7:26:07
